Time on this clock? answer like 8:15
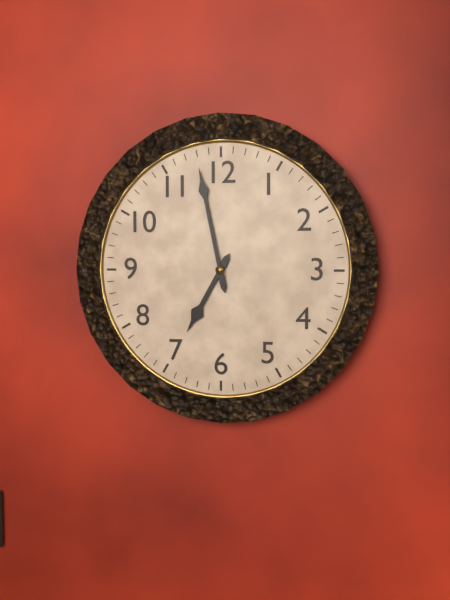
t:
6:58
